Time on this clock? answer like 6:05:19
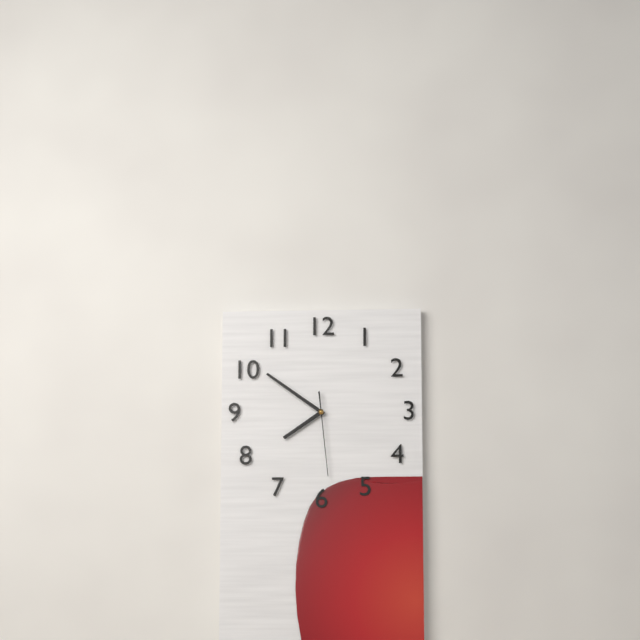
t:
7:51:29
